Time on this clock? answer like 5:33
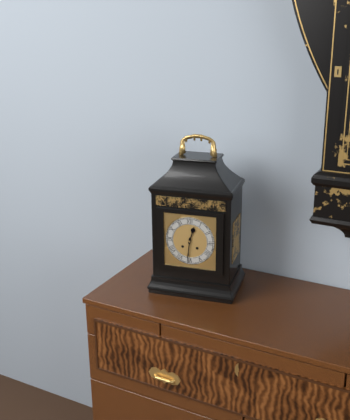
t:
12:31
